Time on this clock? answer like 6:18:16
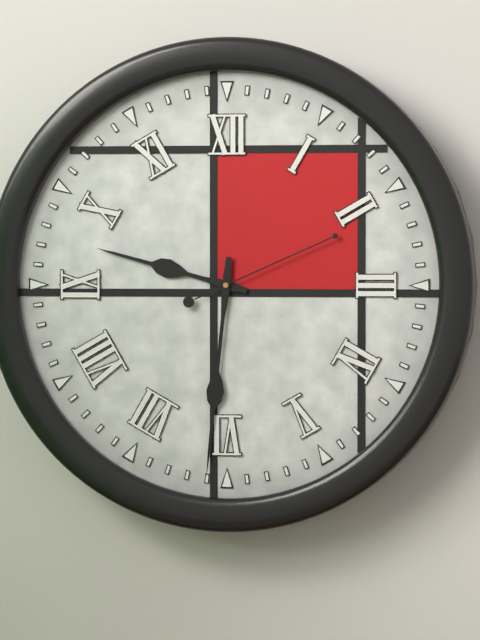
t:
9:31:11
